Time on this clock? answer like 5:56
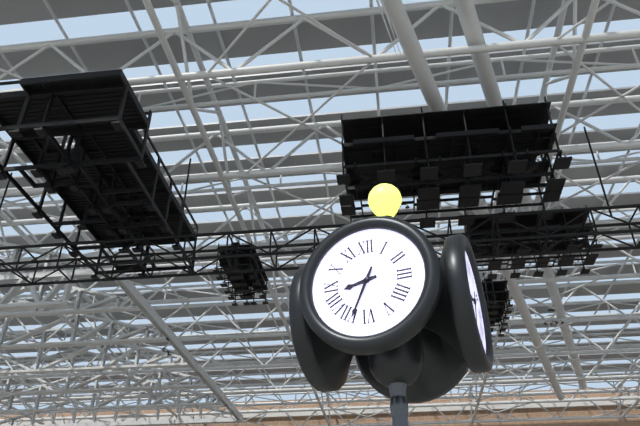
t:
8:34
